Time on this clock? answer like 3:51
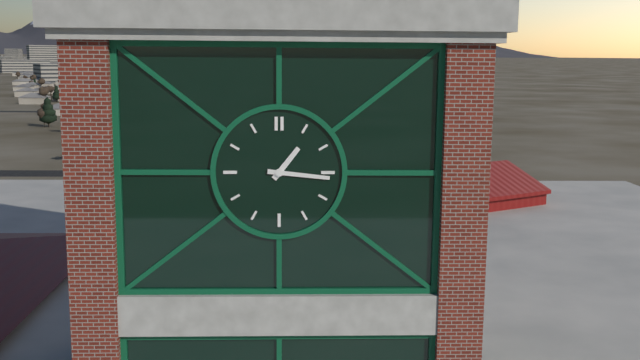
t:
1:16
